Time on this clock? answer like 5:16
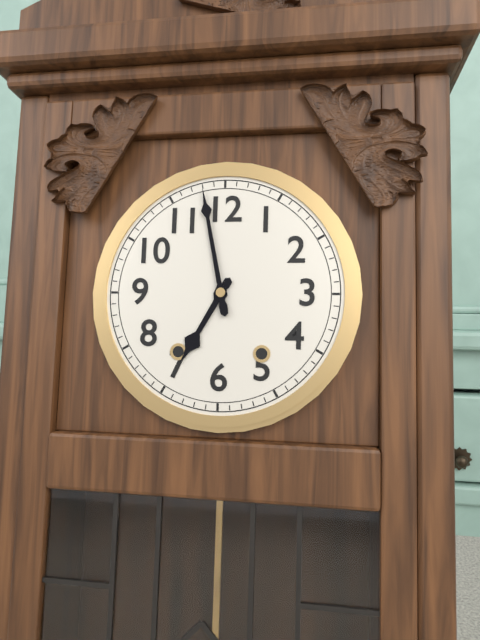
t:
6:58
